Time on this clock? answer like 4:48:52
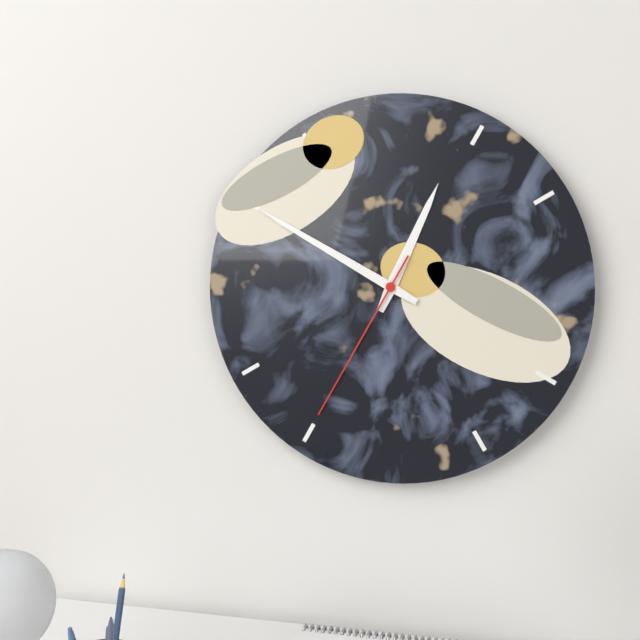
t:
12:50:35
